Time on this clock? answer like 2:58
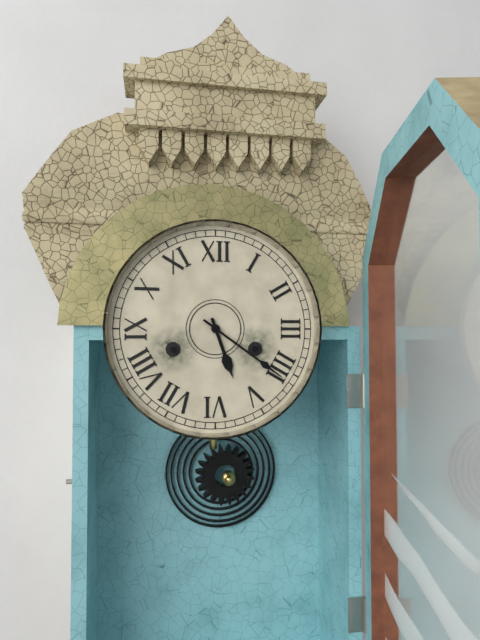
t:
5:21
